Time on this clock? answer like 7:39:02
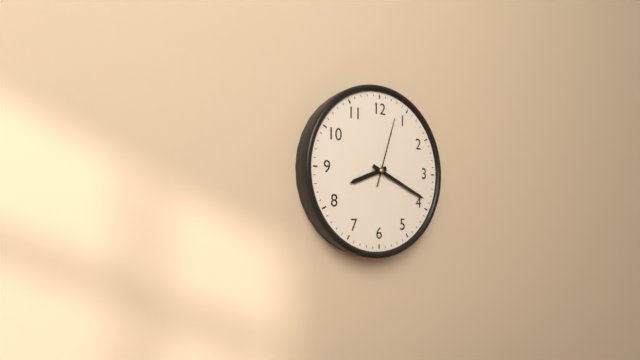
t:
8:19:03
